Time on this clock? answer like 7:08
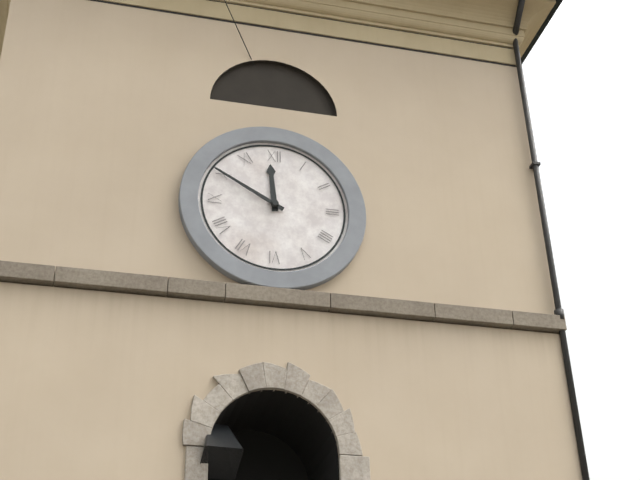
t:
11:50
